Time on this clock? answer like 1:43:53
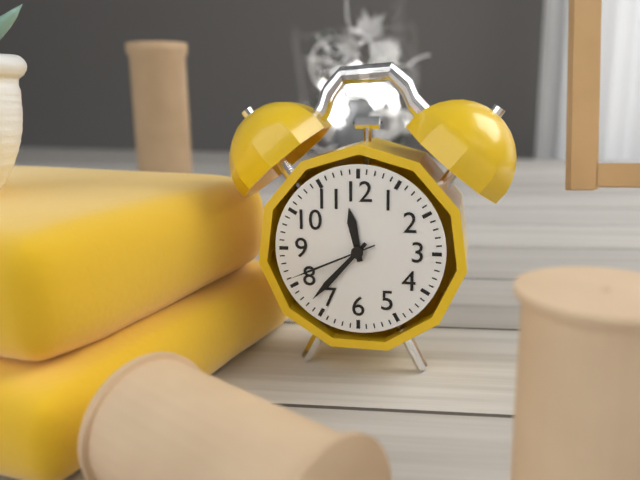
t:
11:37:41
